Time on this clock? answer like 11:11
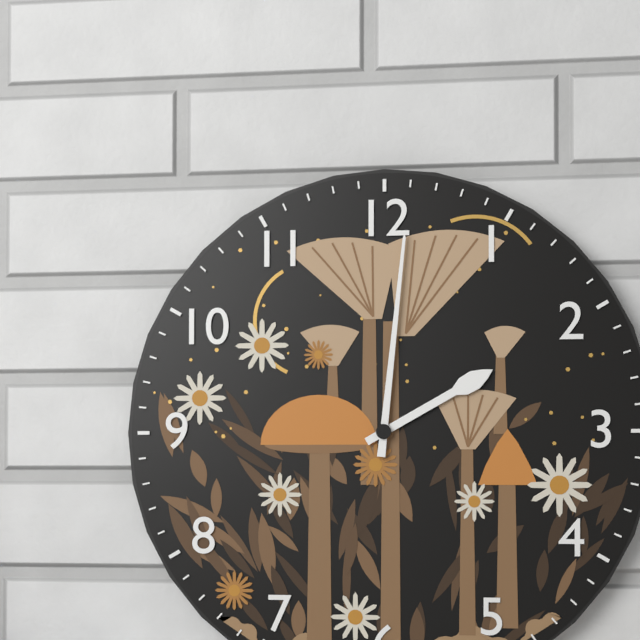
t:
2:01
